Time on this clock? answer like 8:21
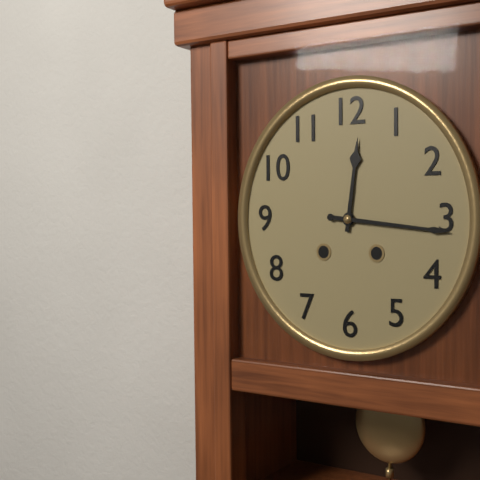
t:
12:16
